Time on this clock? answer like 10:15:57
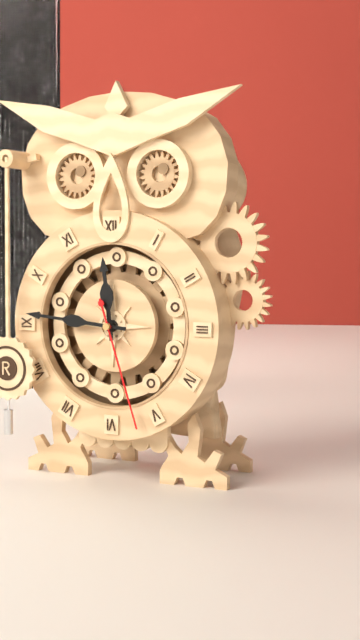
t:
11:46:27
